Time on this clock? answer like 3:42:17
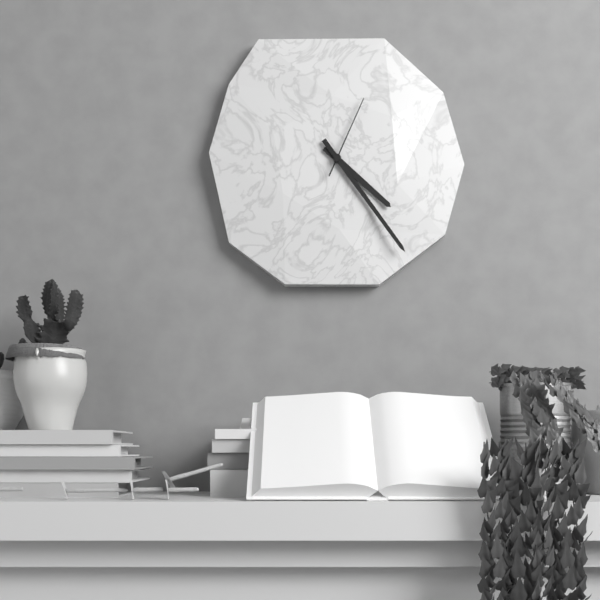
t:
4:24:04
